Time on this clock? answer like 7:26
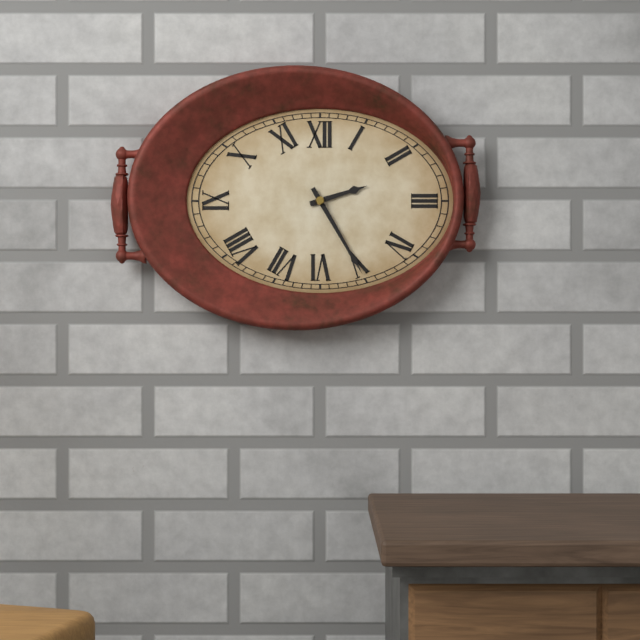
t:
2:25
